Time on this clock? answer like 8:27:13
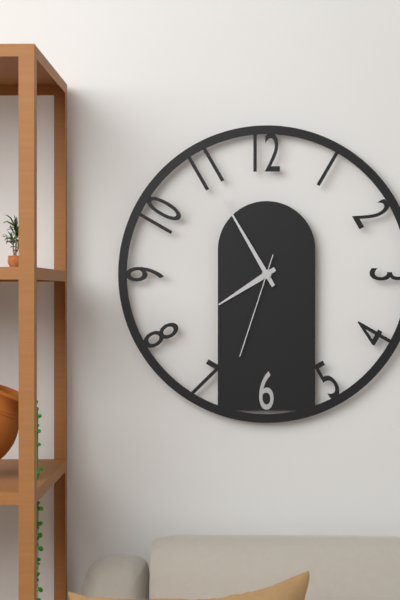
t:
7:55:33
